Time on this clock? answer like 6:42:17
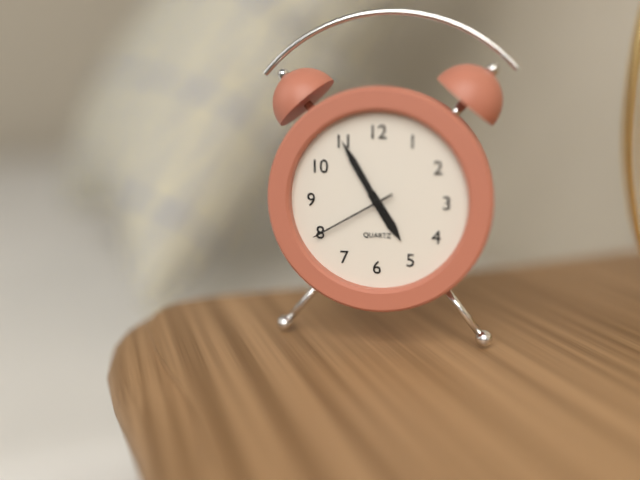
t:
4:55:40
